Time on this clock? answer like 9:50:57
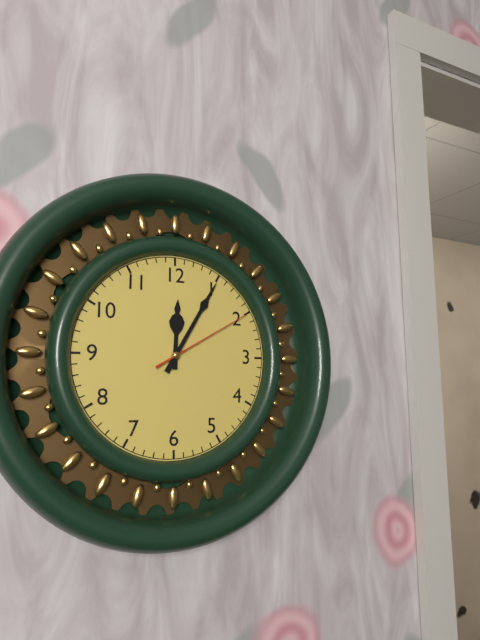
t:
12:05:10
